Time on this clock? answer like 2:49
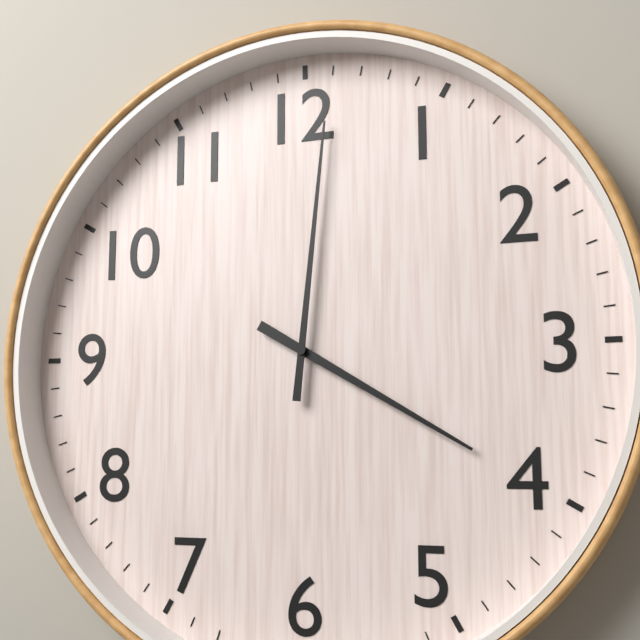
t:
4:01
